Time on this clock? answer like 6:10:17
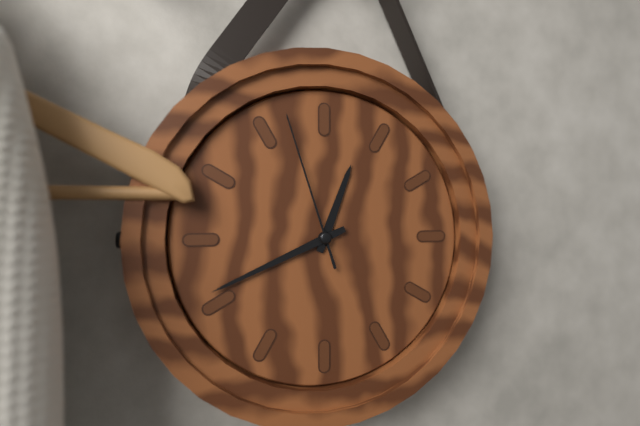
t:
12:41:57
